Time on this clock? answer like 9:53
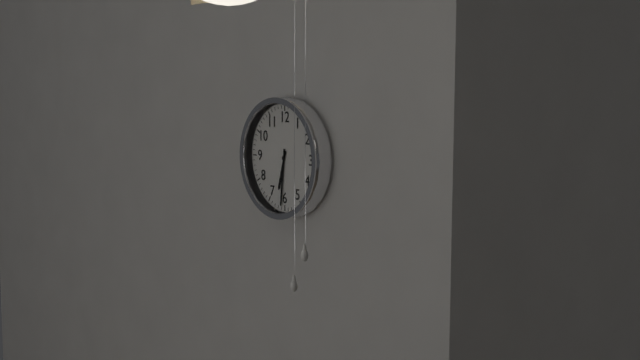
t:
6:31
